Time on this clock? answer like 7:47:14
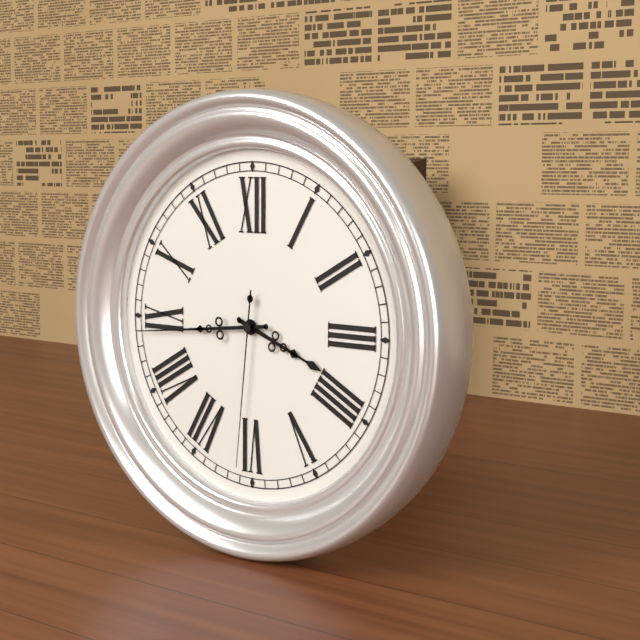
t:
3:44:31
